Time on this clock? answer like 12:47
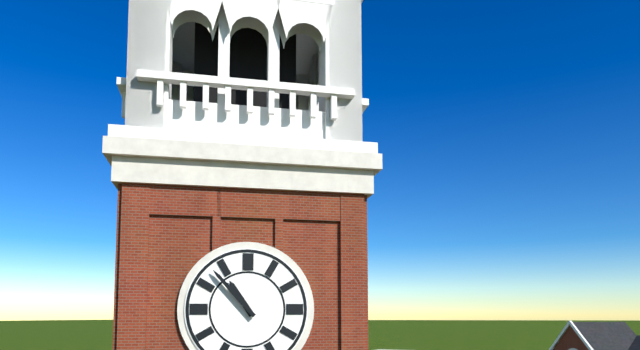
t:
10:53
